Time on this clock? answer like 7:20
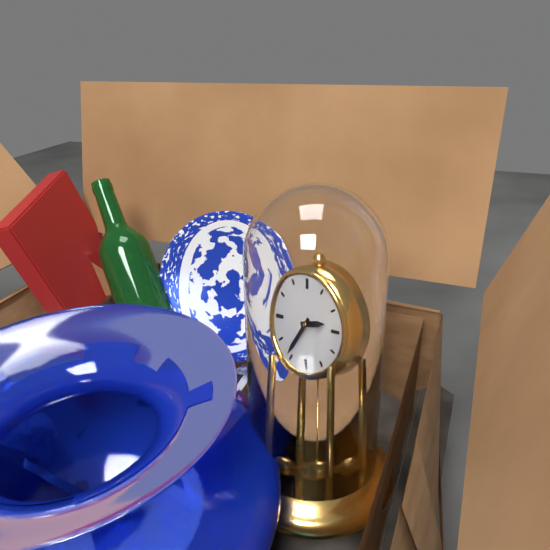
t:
2:36
